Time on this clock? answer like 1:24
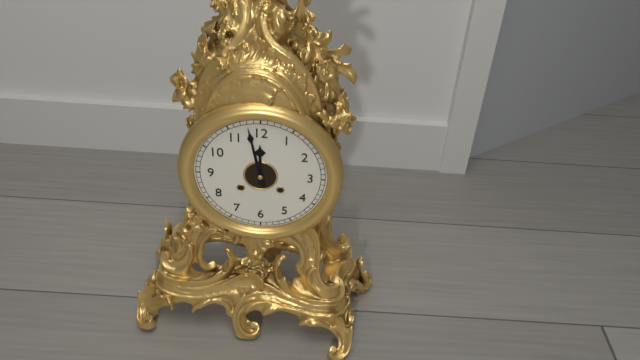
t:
11:58
